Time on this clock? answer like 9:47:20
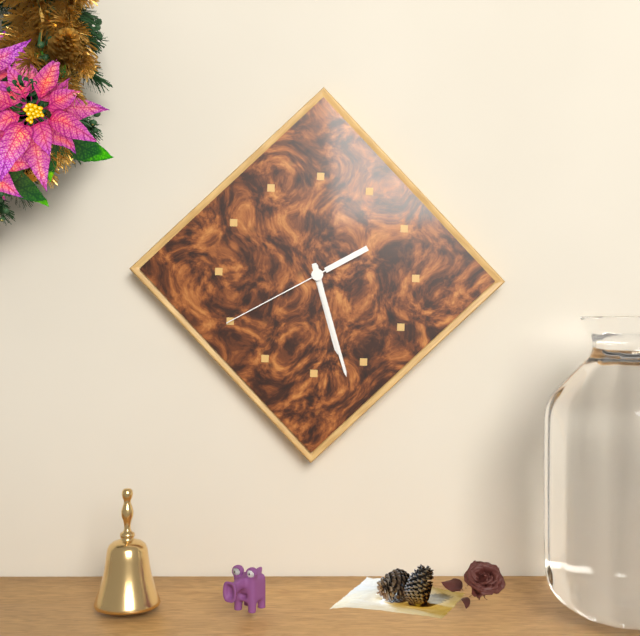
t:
5:27:40
